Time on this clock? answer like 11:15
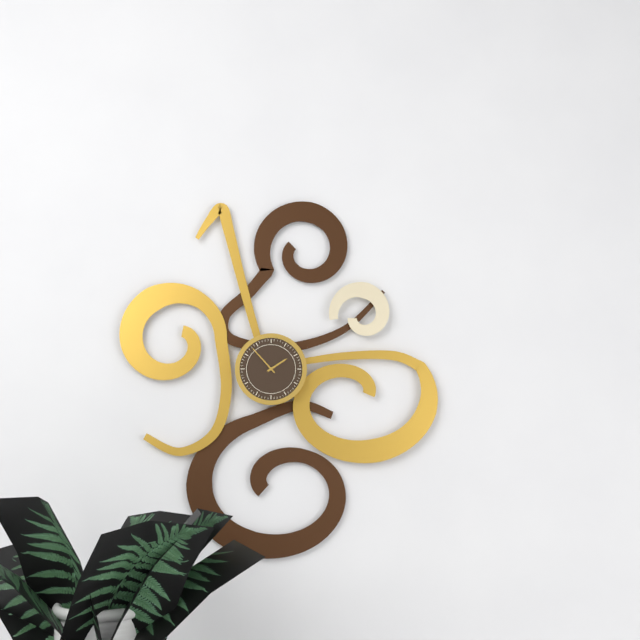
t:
1:53
